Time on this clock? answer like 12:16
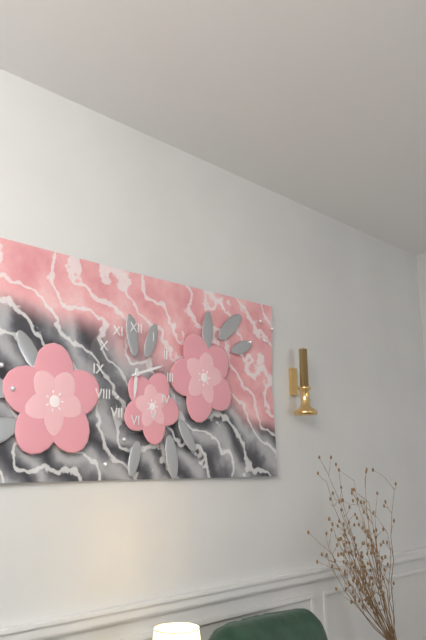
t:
6:12
